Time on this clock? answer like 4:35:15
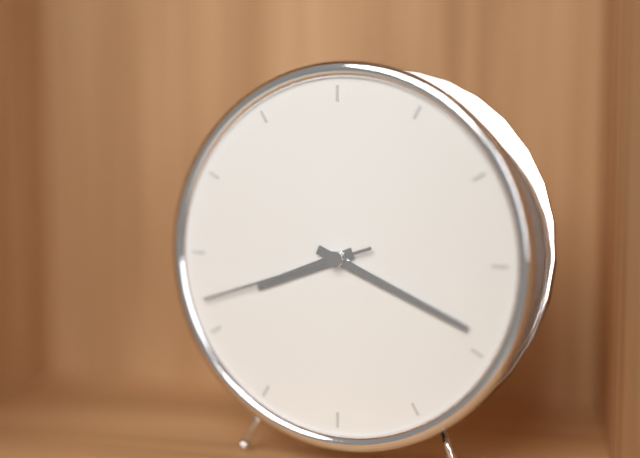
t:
8:19:42
